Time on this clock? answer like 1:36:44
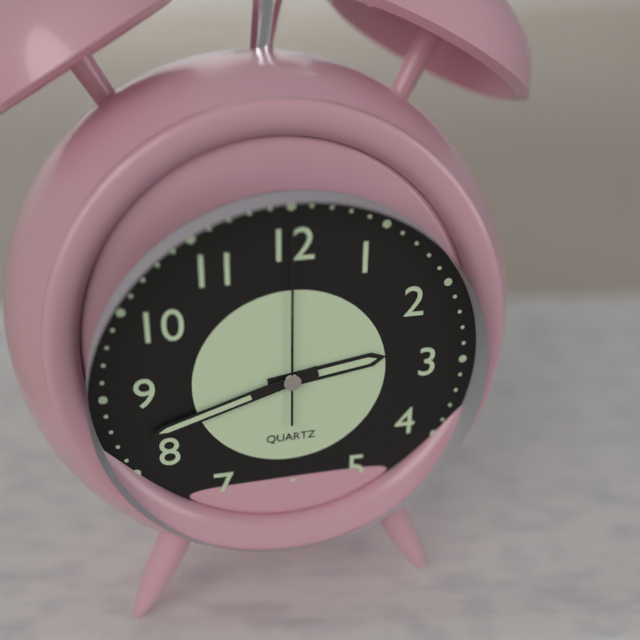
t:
2:42:00
